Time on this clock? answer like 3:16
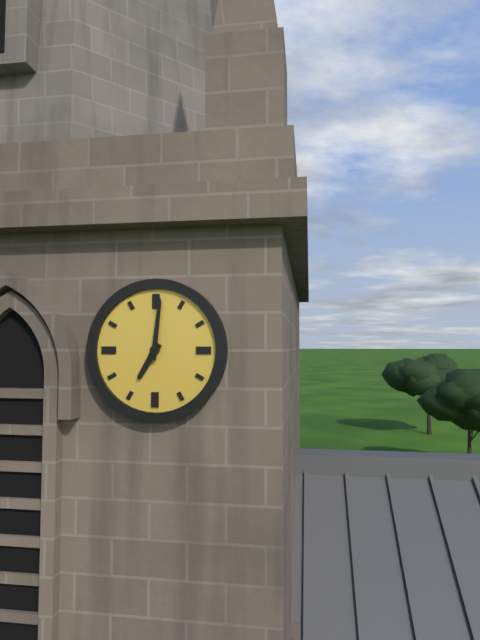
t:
7:01
